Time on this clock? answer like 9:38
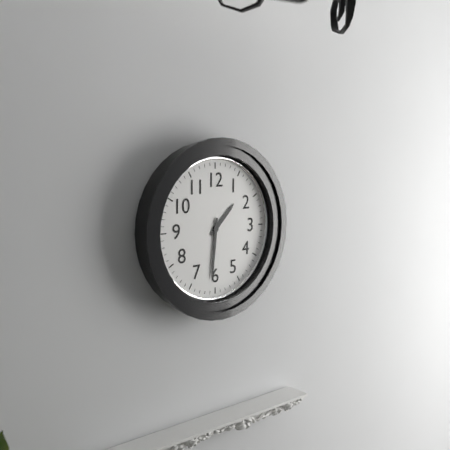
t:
1:31
